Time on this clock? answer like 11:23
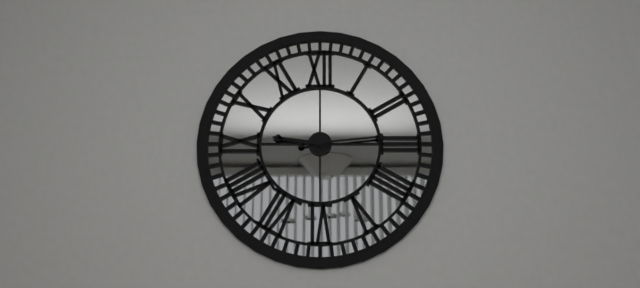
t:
9:14
